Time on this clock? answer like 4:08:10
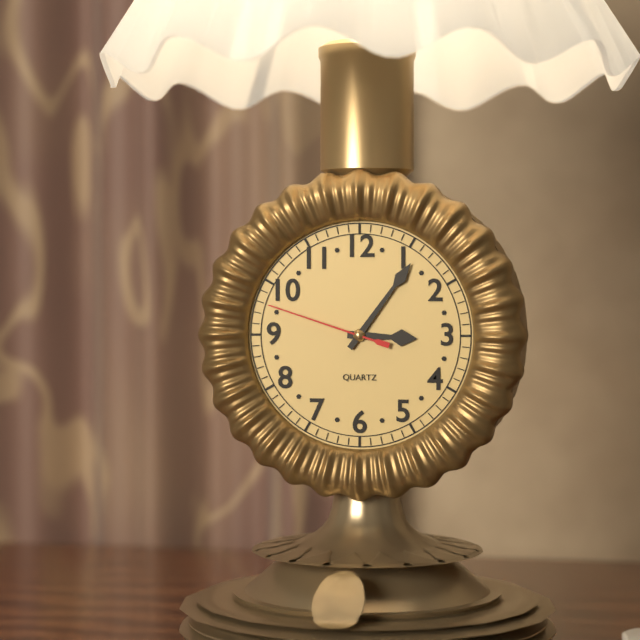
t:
3:06:48
